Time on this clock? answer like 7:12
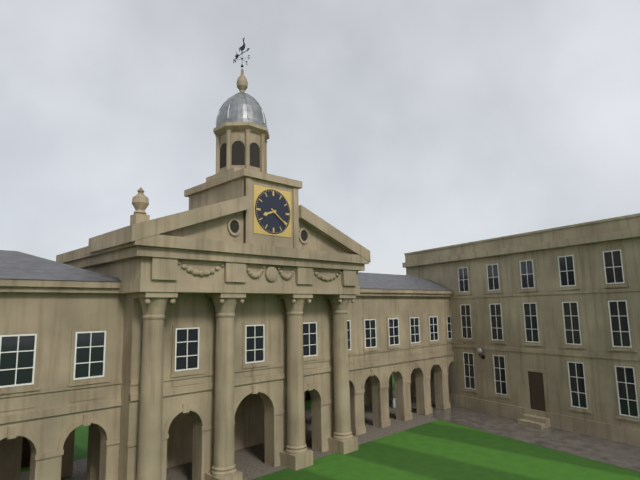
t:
8:21
